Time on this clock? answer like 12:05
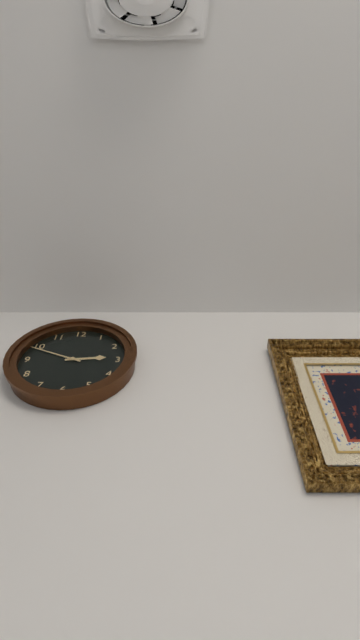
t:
2:49
